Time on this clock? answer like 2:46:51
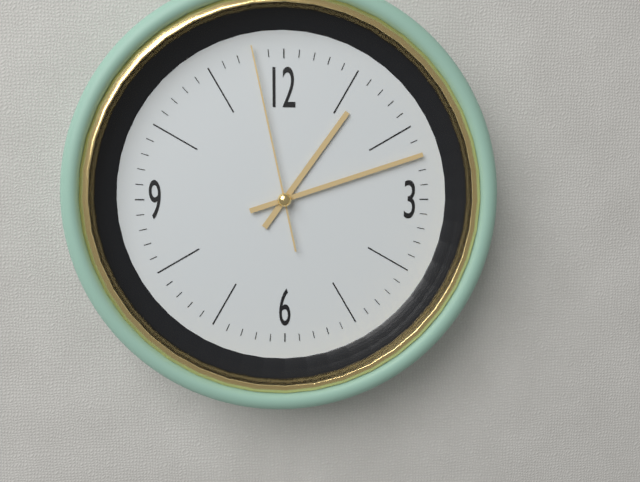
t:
1:12:58
